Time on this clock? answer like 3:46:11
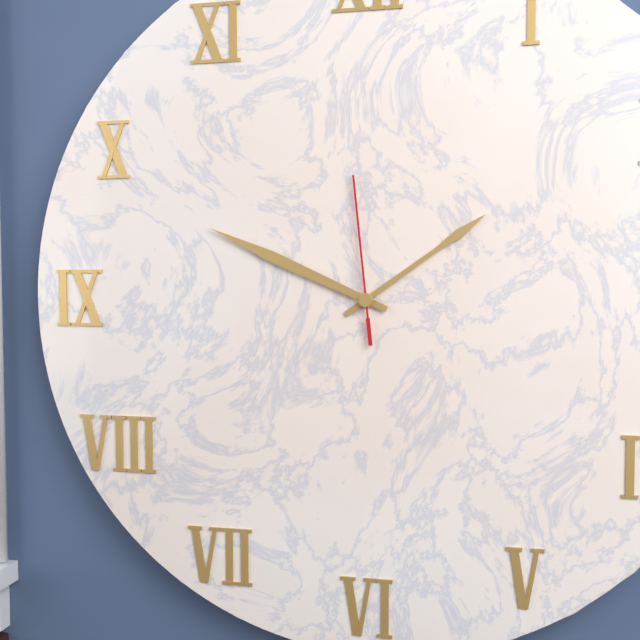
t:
1:49:59
